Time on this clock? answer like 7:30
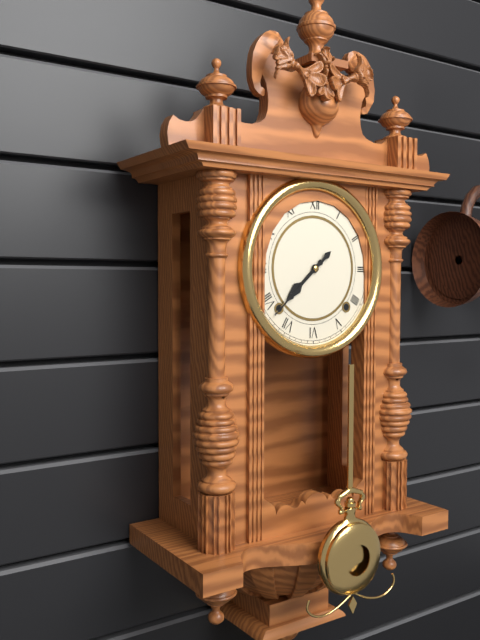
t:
7:38
